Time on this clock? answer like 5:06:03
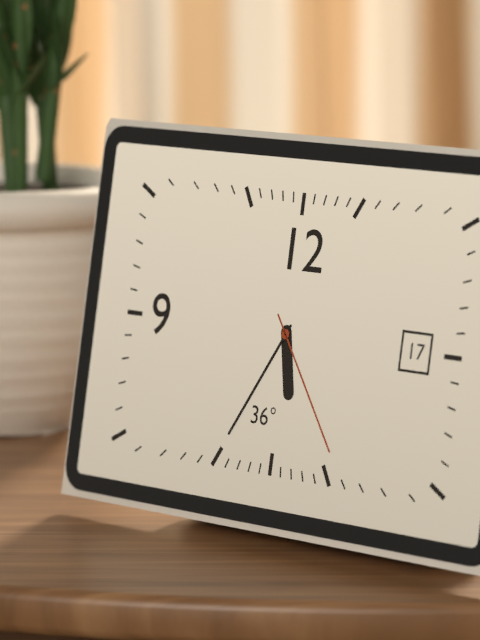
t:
5:35:24
